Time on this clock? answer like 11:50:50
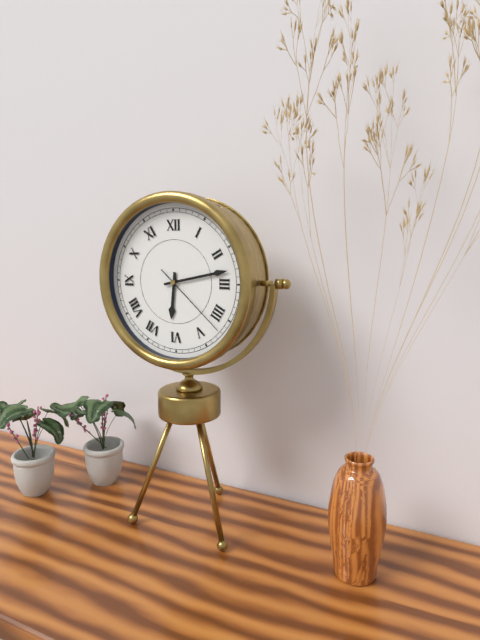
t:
6:13:22
